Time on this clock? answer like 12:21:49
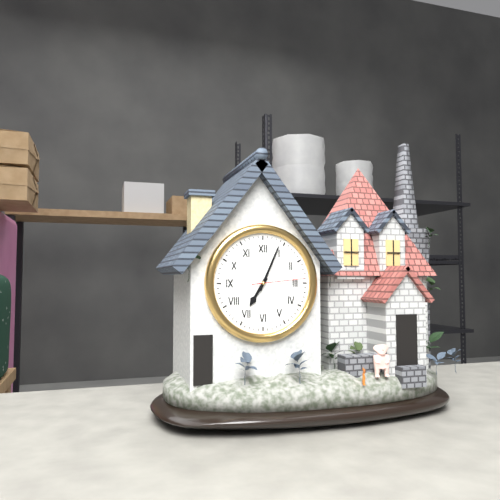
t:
7:04:14
